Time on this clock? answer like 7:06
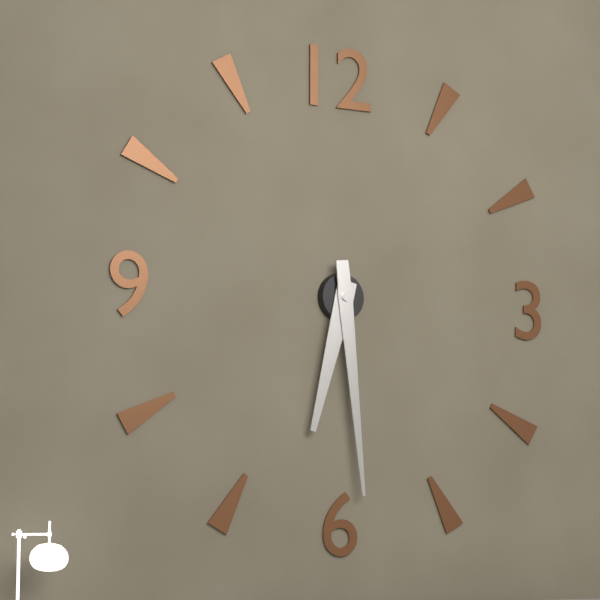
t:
6:29
